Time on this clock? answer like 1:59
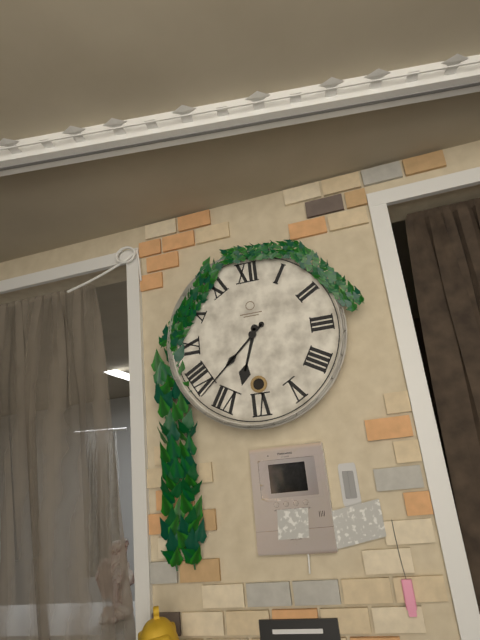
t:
6:38
